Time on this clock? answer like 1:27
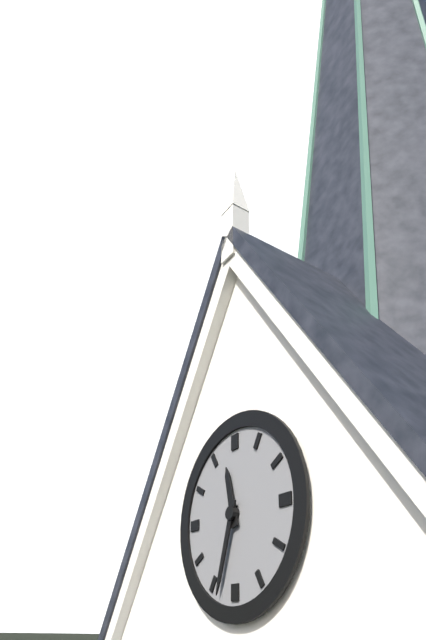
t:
11:33
